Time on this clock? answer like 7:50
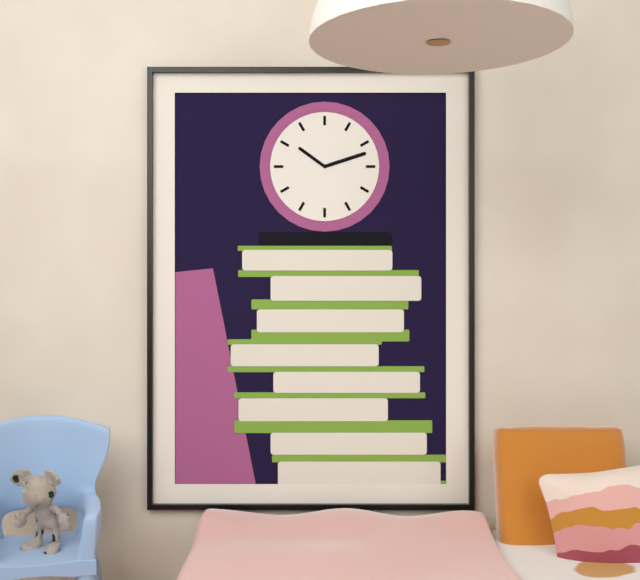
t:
10:12
